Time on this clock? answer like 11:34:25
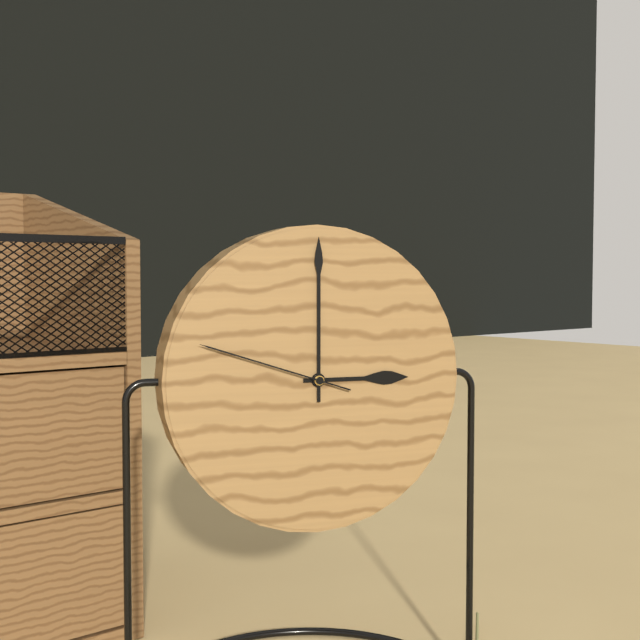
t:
3:00:48
